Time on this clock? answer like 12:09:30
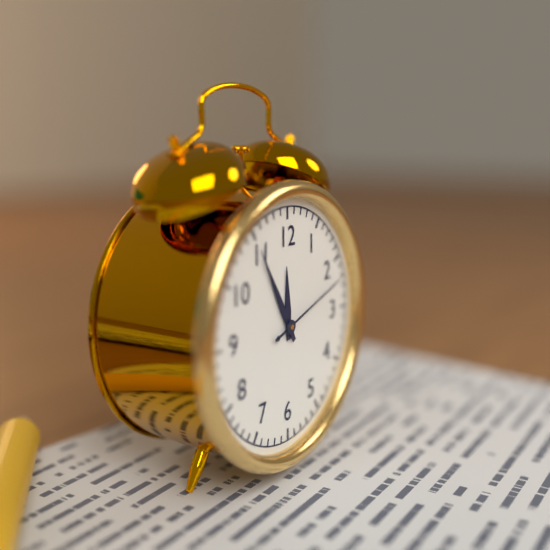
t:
11:55:12
